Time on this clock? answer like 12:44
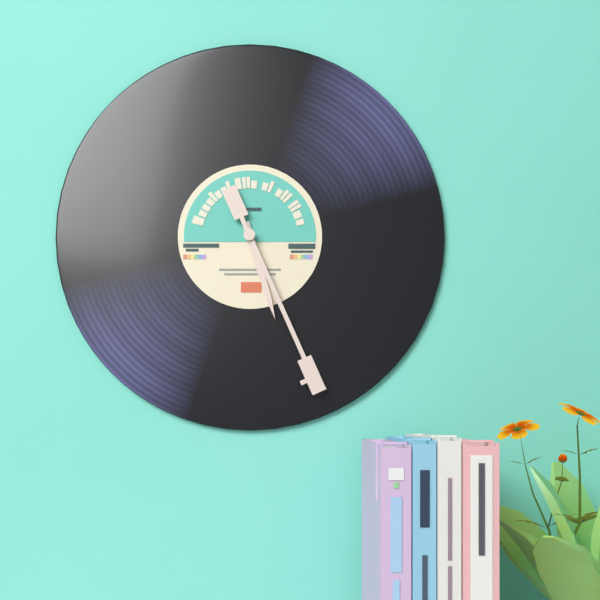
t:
5:26
